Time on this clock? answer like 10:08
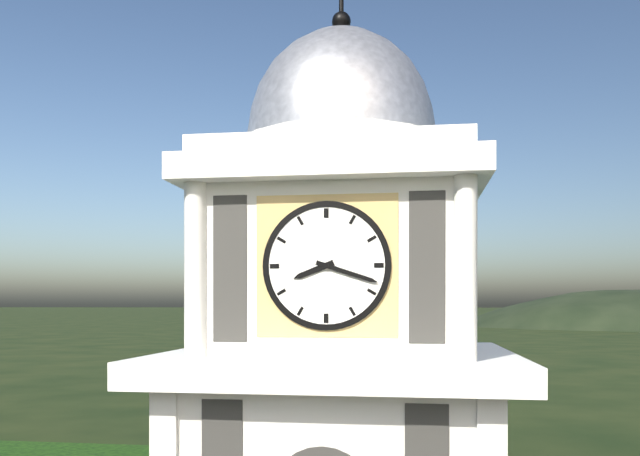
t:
8:18
